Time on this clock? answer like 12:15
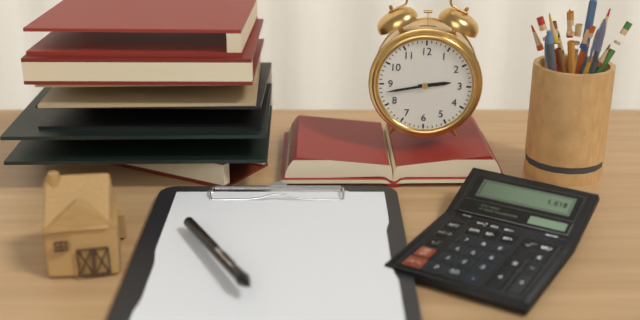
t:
2:43
